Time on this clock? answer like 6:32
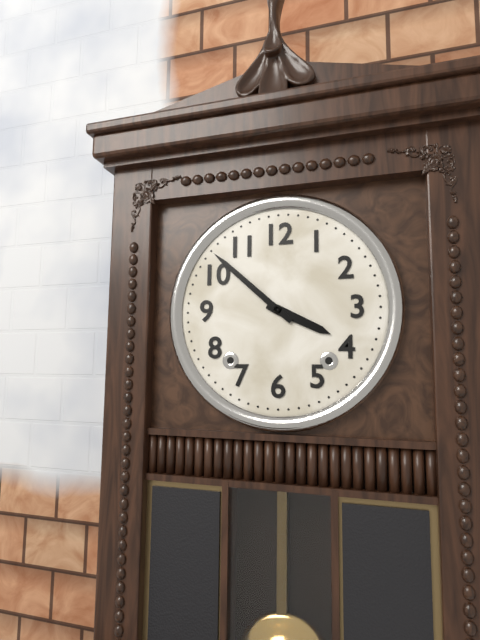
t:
3:52
